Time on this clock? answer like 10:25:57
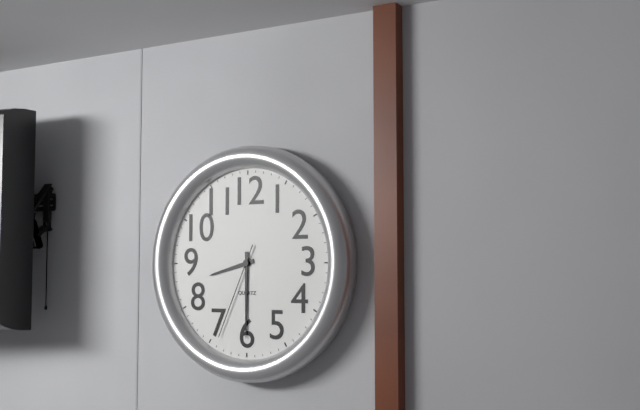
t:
8:30:34
